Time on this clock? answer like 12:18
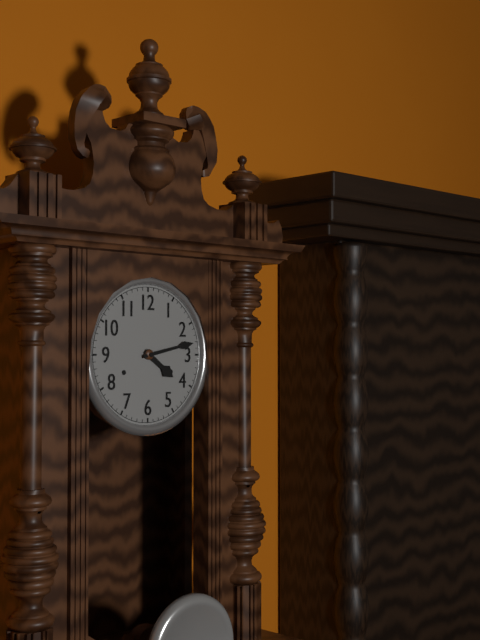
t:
4:13
